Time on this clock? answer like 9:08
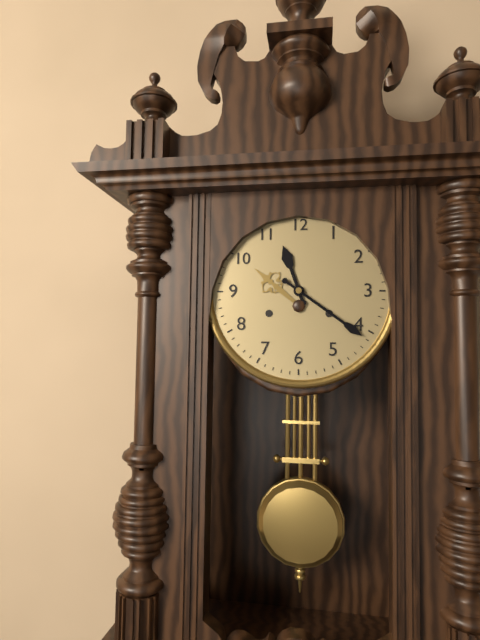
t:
11:21
